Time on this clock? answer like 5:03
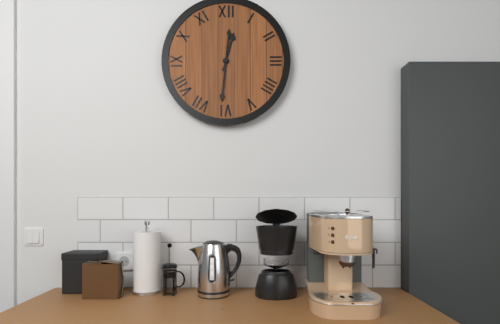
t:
12:31
